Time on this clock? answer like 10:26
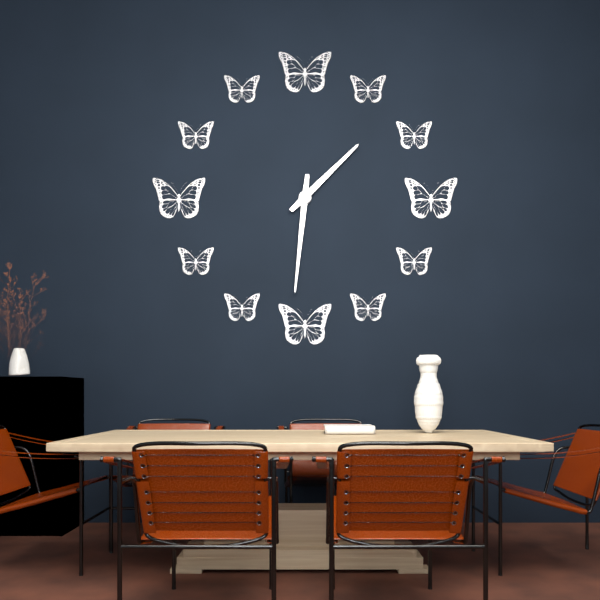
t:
1:31
